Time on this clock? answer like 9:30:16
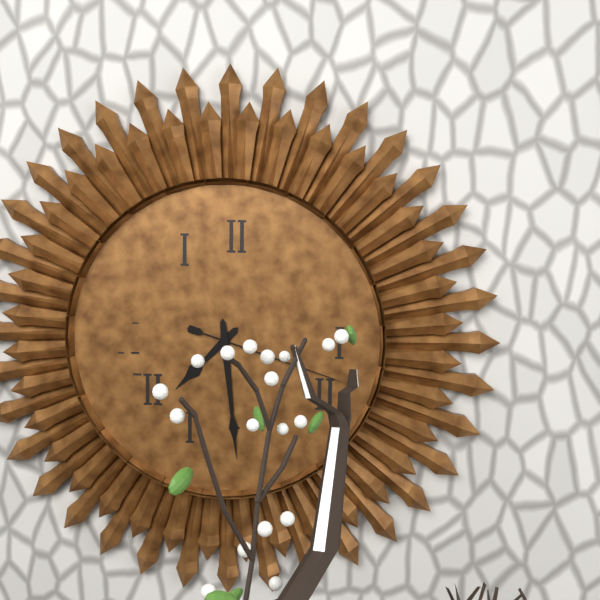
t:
7:29:18
